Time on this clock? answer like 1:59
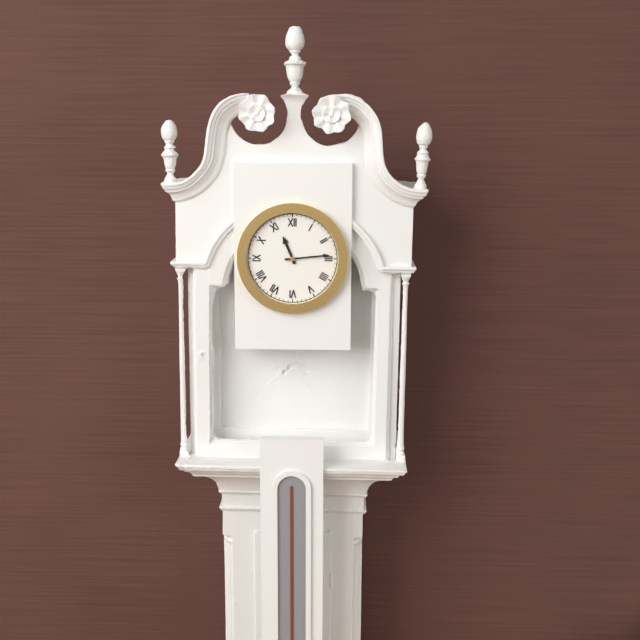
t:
11:14
